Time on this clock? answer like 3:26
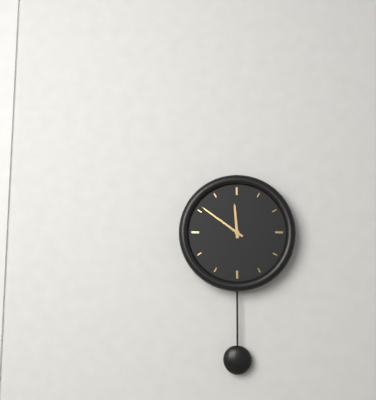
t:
11:51
